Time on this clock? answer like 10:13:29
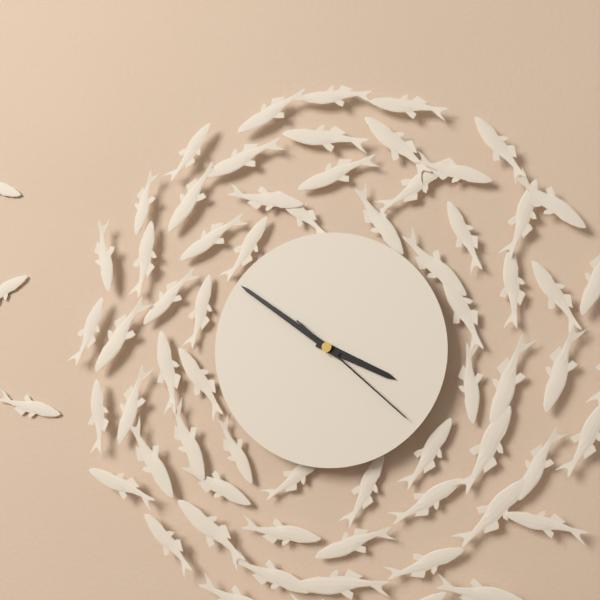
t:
3:51:22
